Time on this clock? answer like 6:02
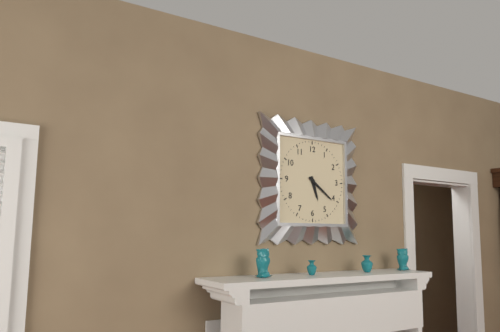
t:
5:21
